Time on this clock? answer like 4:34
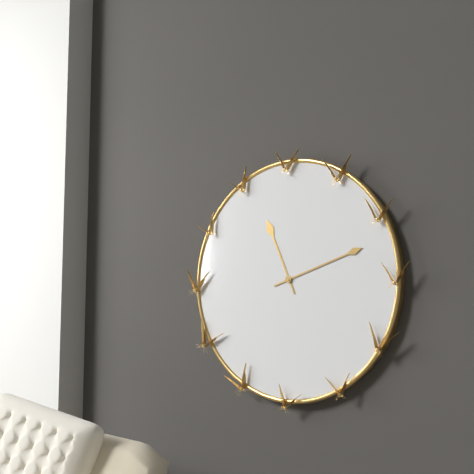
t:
11:12
